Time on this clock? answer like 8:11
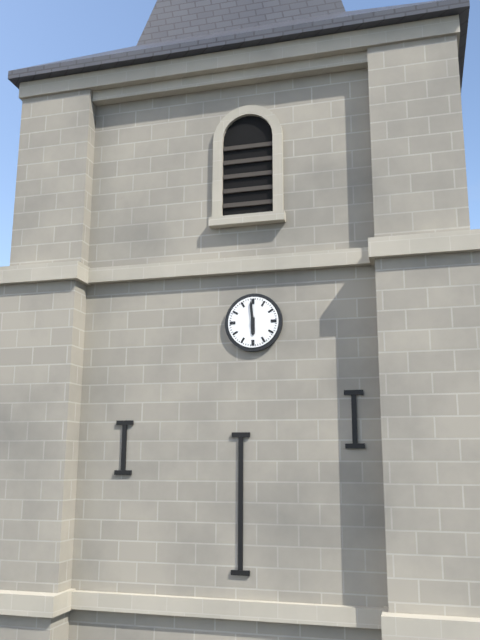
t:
5:59
